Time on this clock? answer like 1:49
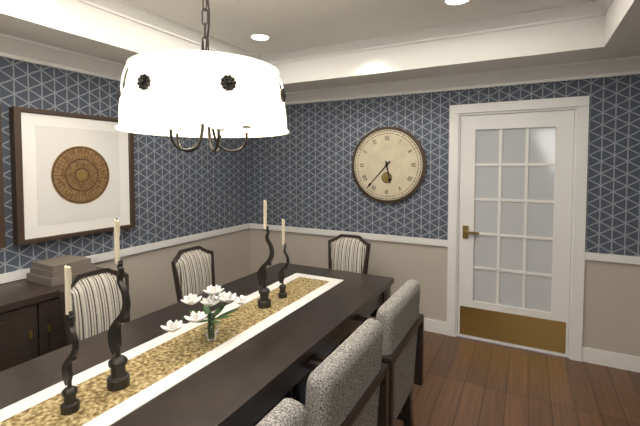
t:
5:37
